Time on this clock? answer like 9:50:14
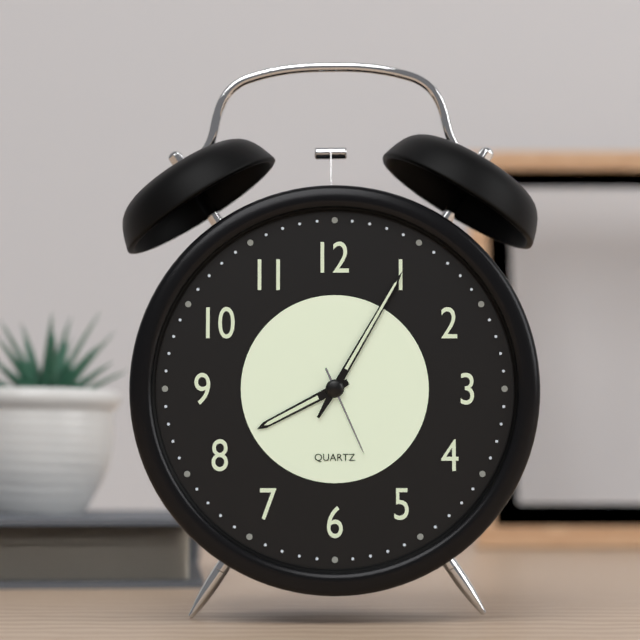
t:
8:05:26
